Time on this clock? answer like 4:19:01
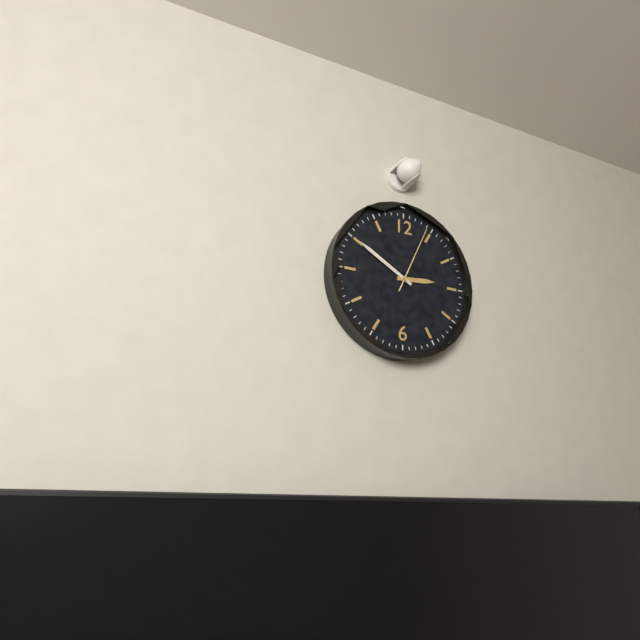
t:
2:50:04
